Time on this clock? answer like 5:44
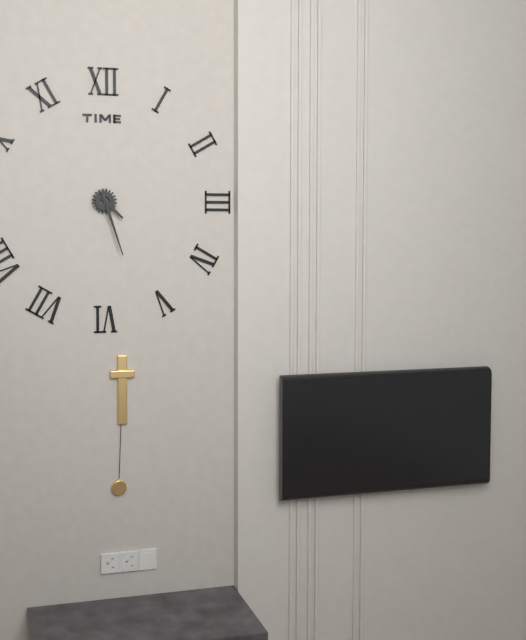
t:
4:27
